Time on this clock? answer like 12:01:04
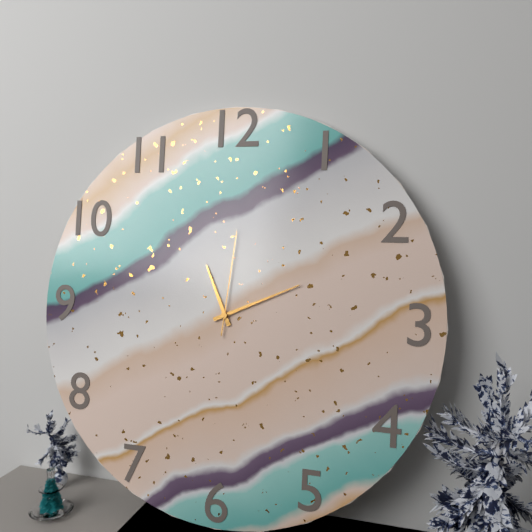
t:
11:11:01
